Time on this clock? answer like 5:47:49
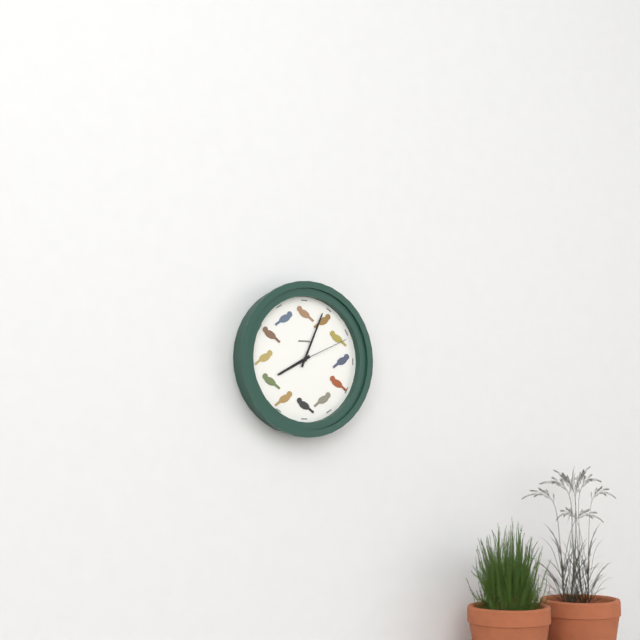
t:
8:04:11
